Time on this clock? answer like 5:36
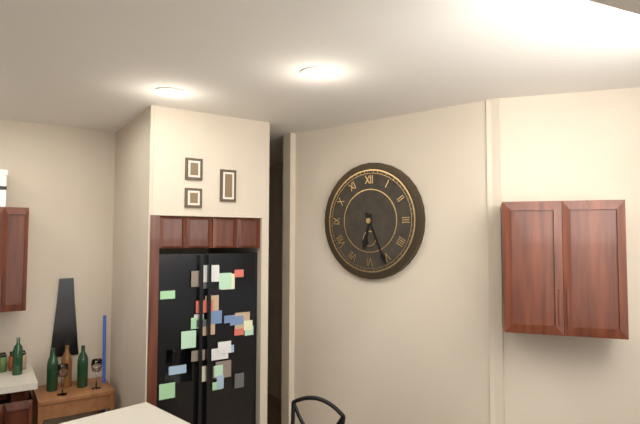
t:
6:26
